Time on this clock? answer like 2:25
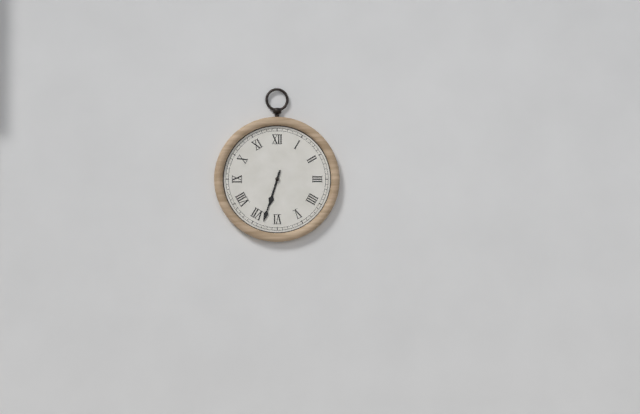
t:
6:33
